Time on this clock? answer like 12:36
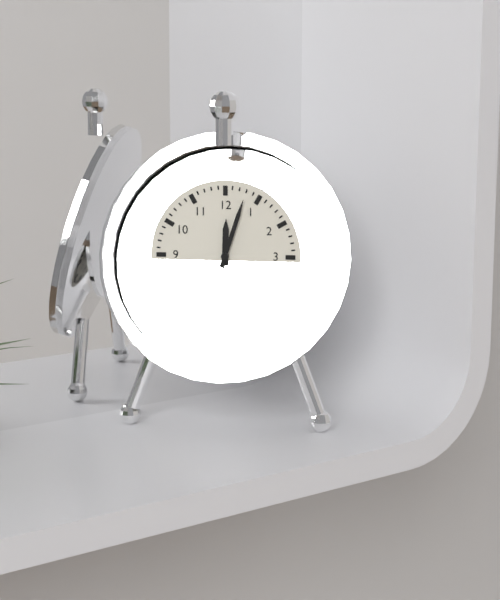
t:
12:03
